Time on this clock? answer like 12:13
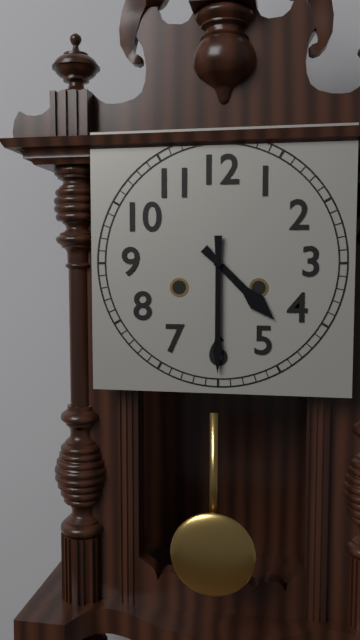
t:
4:30
